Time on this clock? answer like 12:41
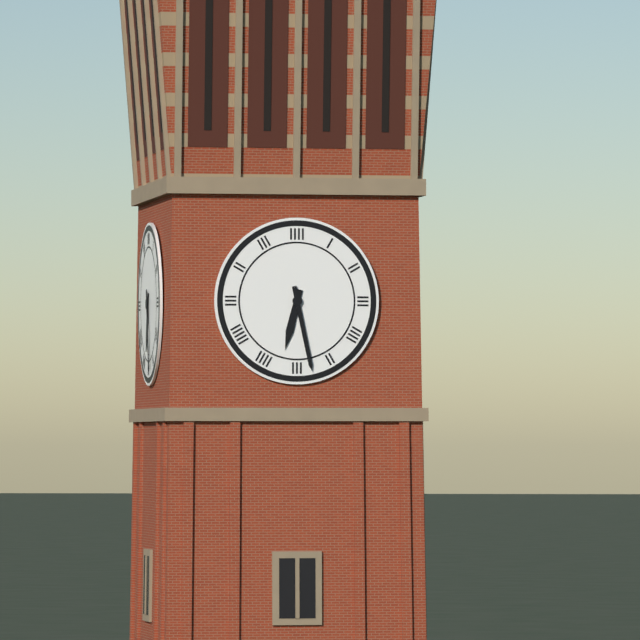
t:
6:28
